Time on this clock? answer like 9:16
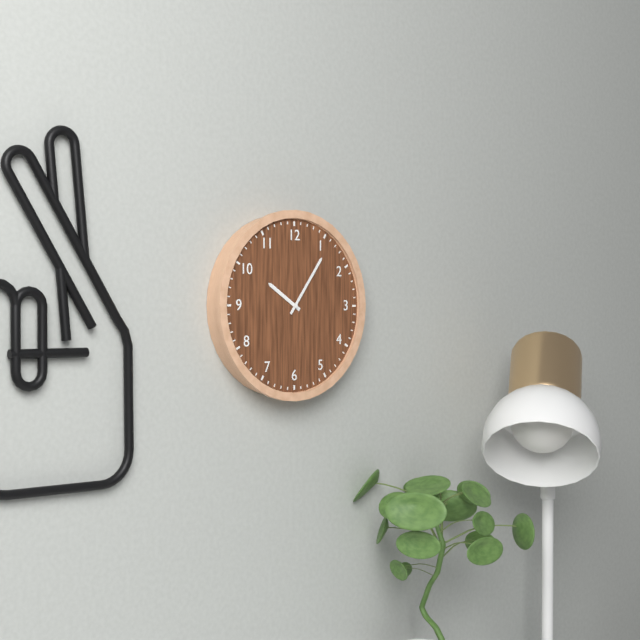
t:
10:06
